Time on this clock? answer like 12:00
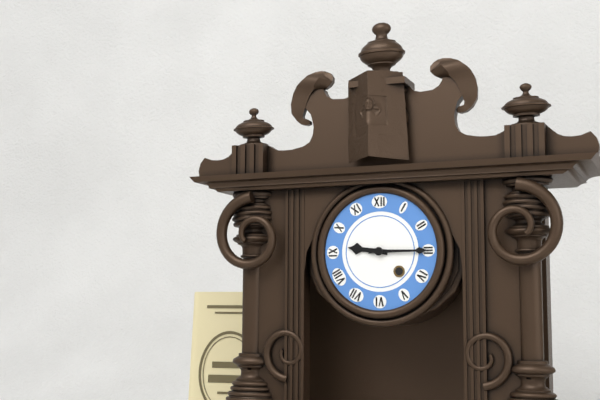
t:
9:15
